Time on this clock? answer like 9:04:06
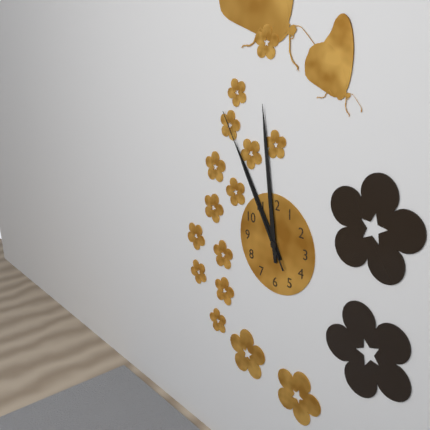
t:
10:59:55
